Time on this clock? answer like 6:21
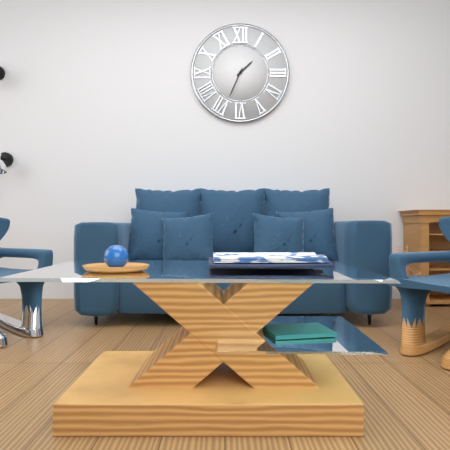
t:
1:34
